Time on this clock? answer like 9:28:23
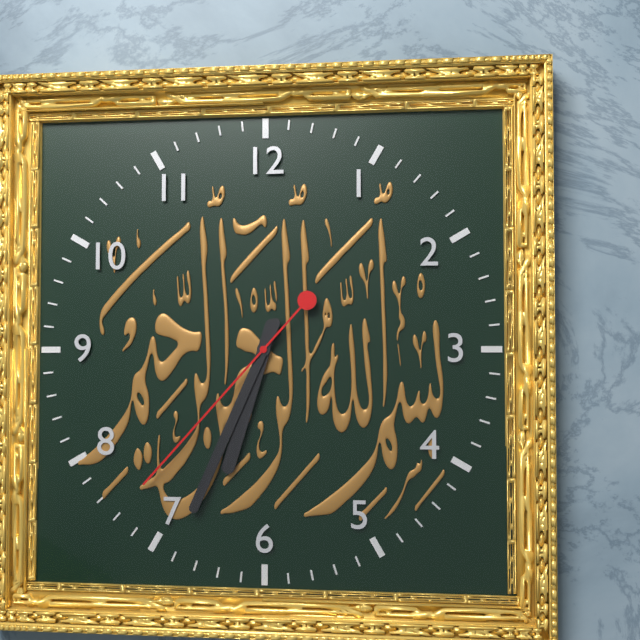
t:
6:34:37
